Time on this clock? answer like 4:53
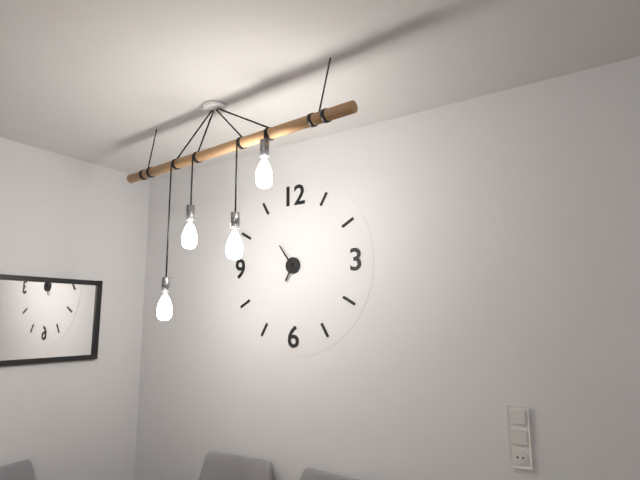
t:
6:54
